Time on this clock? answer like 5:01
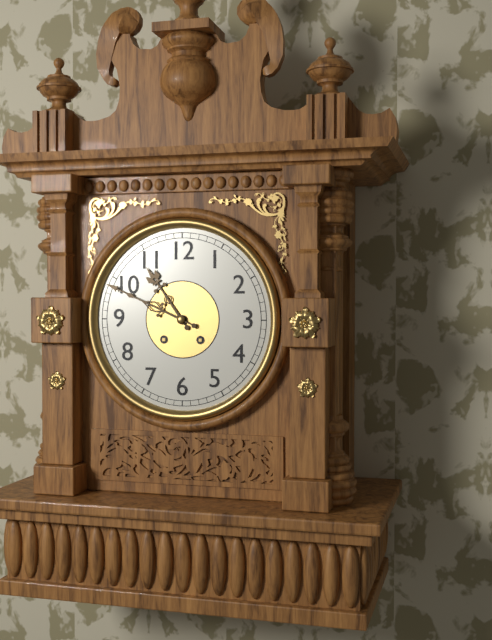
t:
10:49
